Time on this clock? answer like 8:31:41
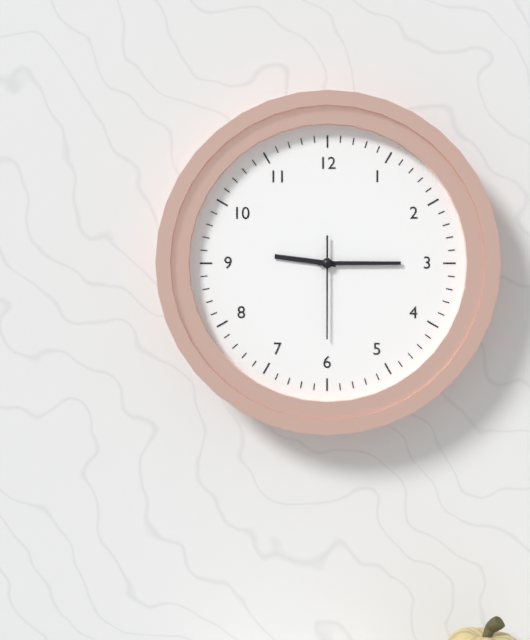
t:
9:15:30
